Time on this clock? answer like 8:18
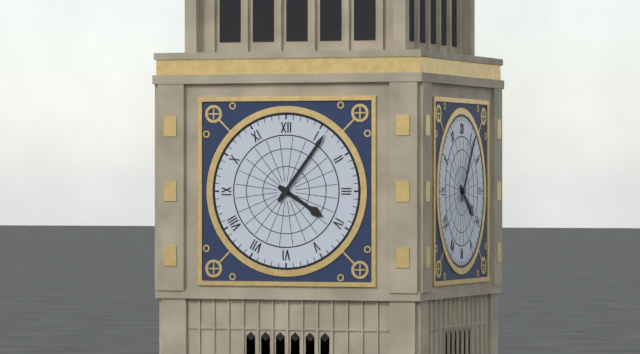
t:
4:06
